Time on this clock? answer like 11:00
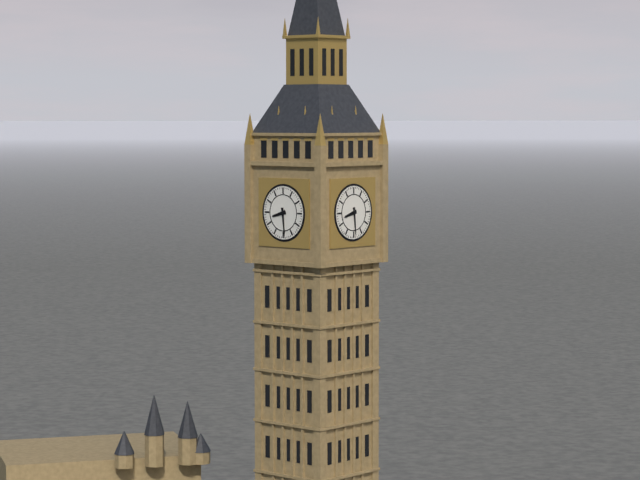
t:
8:29
